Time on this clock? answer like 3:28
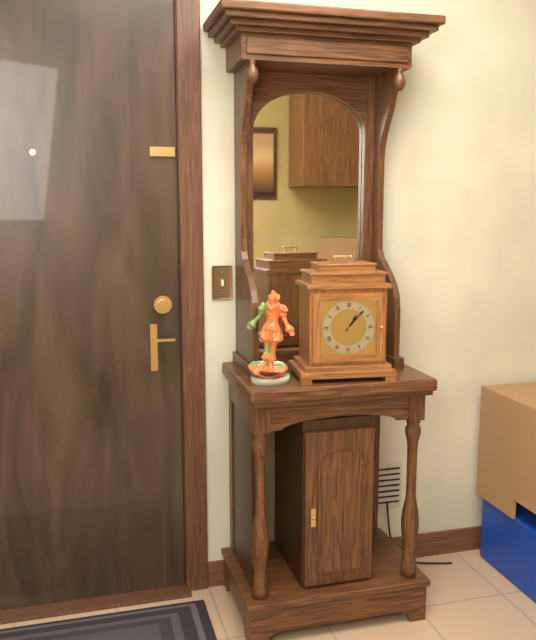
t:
1:07
